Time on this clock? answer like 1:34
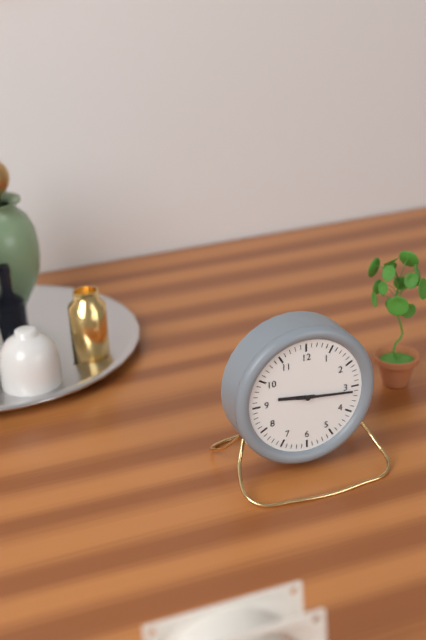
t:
9:16
